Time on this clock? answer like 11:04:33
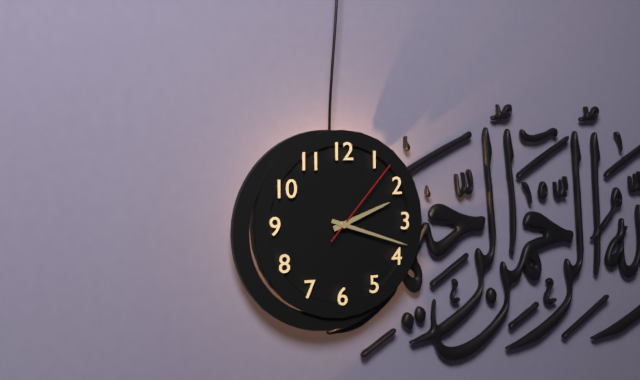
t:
2:18:07
